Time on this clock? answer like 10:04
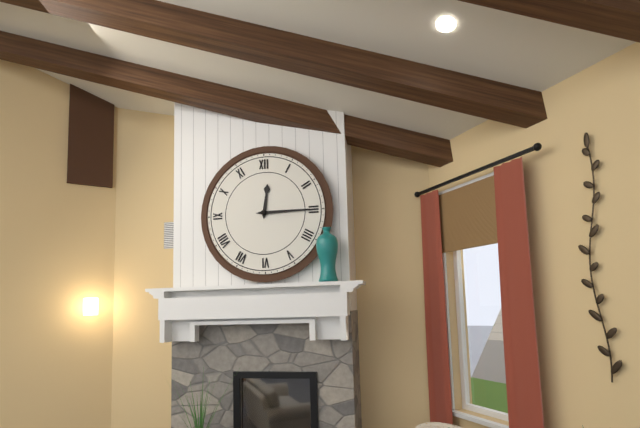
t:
12:15
